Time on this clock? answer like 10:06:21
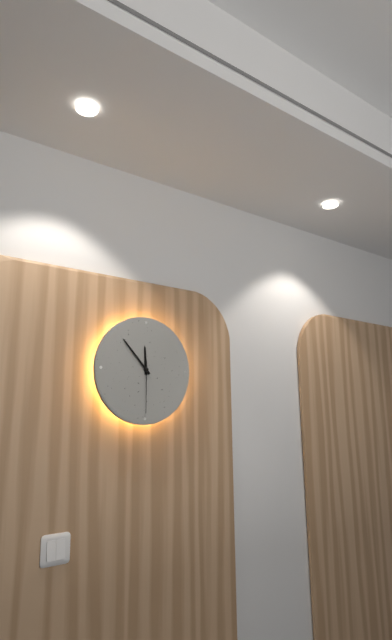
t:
11:53:30
